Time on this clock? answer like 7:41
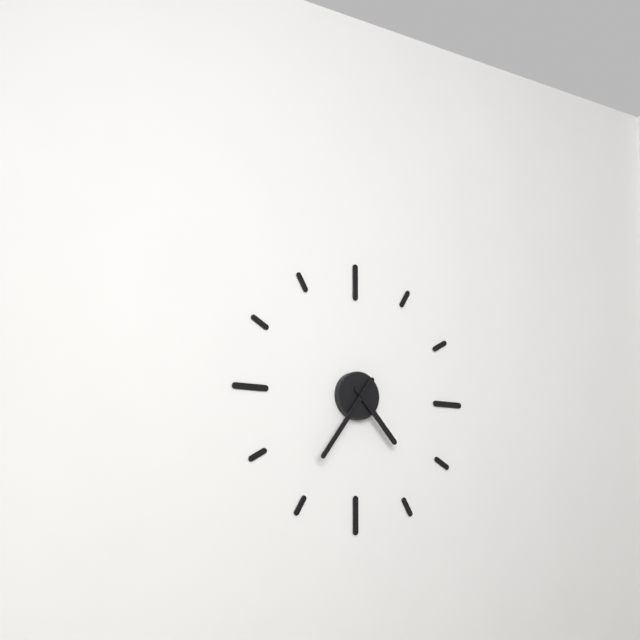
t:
4:36
